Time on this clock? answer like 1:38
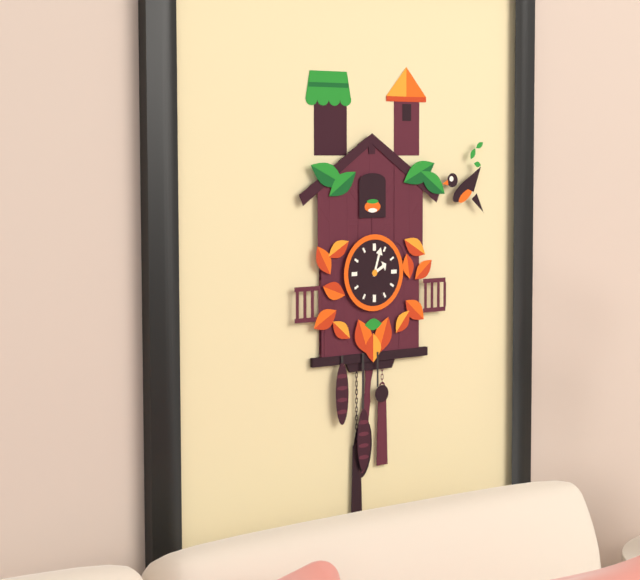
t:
2:03
